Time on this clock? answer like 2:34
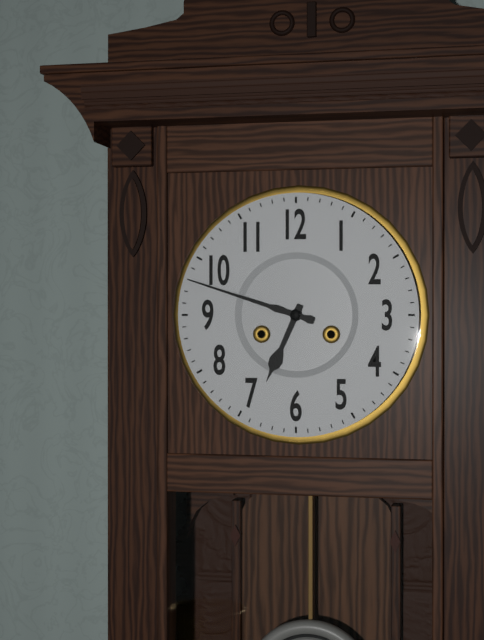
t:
6:48
